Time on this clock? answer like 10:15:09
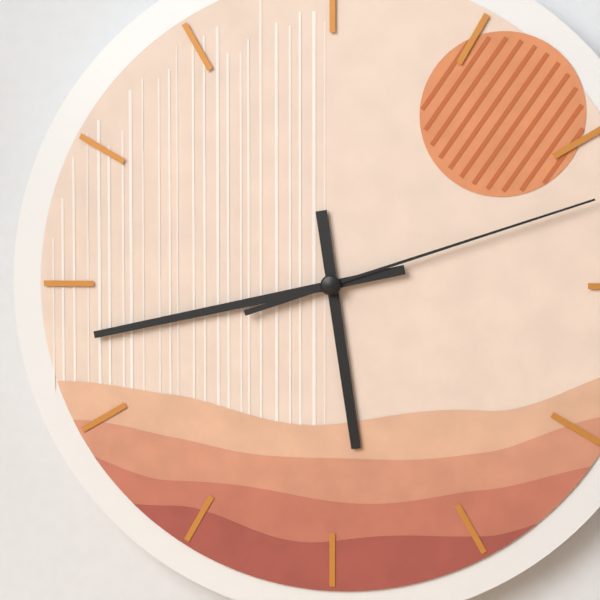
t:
5:43:12
